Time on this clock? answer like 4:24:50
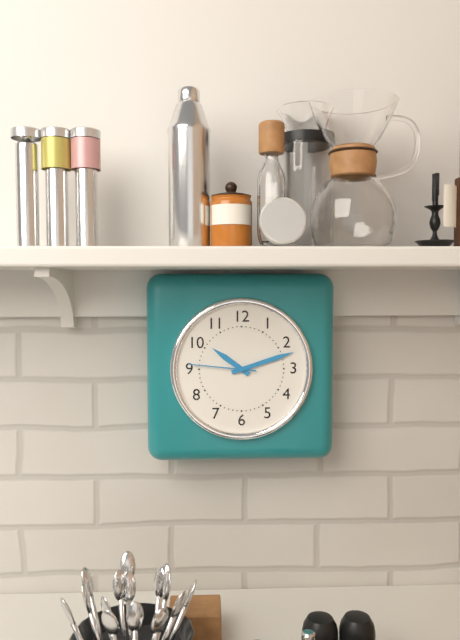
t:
10:12:46
